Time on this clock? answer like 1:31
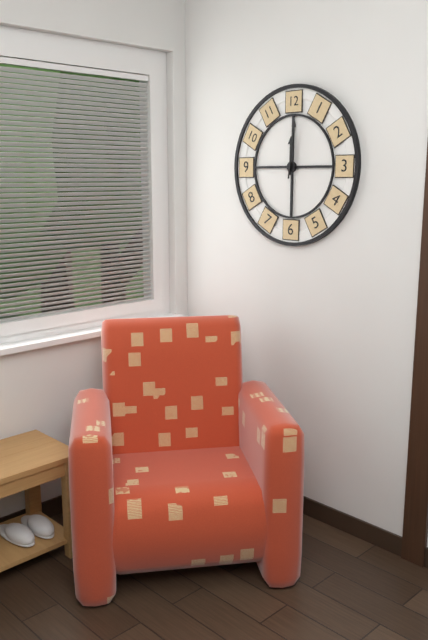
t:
12:01
